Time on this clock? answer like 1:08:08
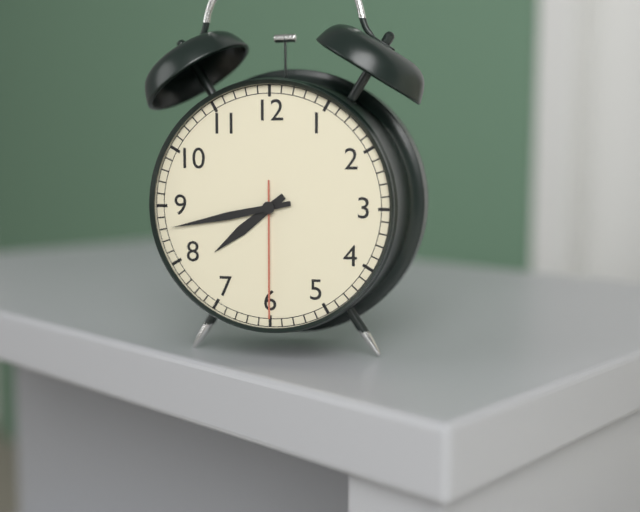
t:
7:43:30
